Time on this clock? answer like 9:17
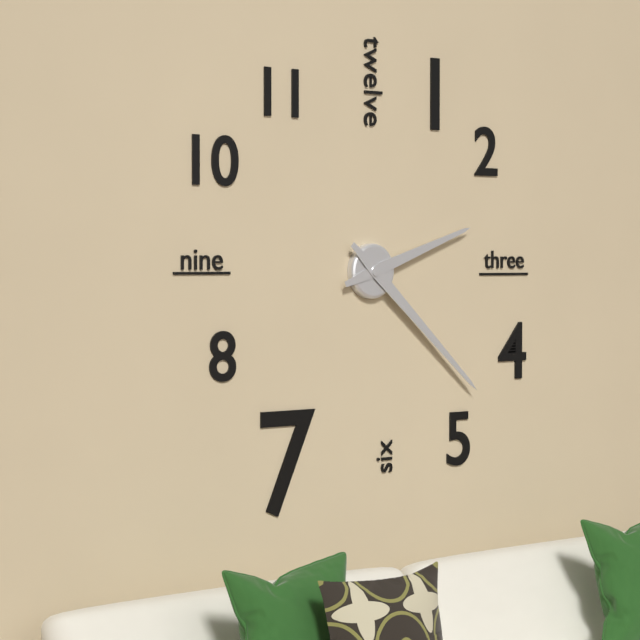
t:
2:22
